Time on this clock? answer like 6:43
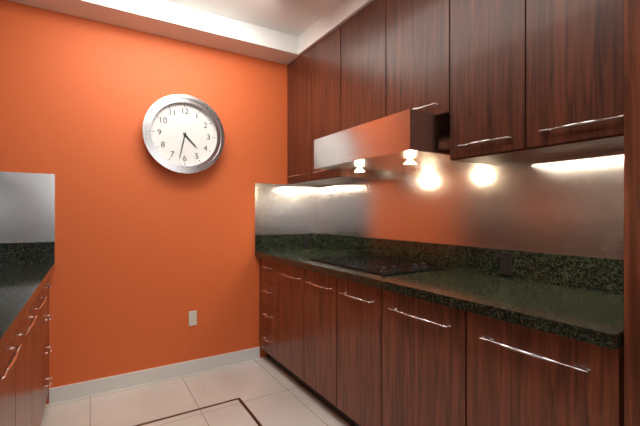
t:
4:32
